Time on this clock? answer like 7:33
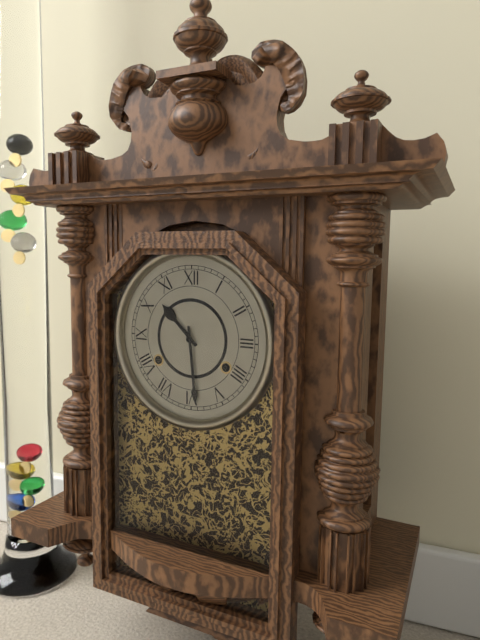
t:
10:29
